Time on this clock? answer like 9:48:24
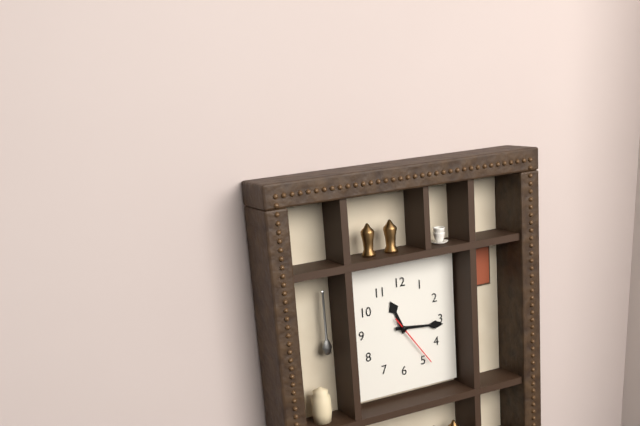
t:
11:16:24
